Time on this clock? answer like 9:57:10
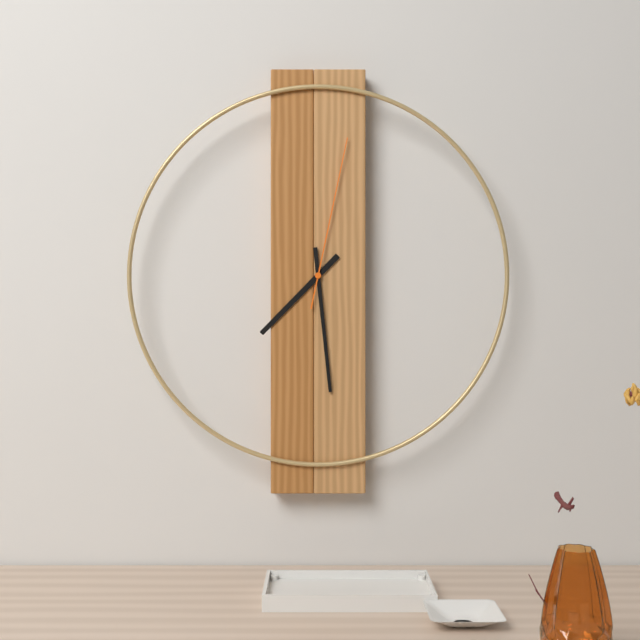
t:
7:29:02
